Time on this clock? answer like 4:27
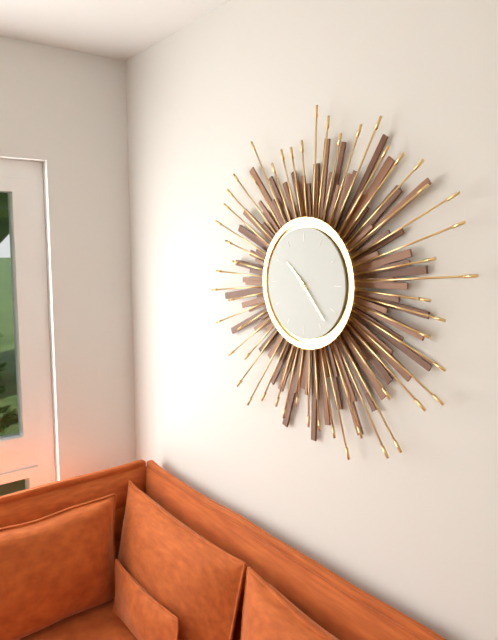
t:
10:23
